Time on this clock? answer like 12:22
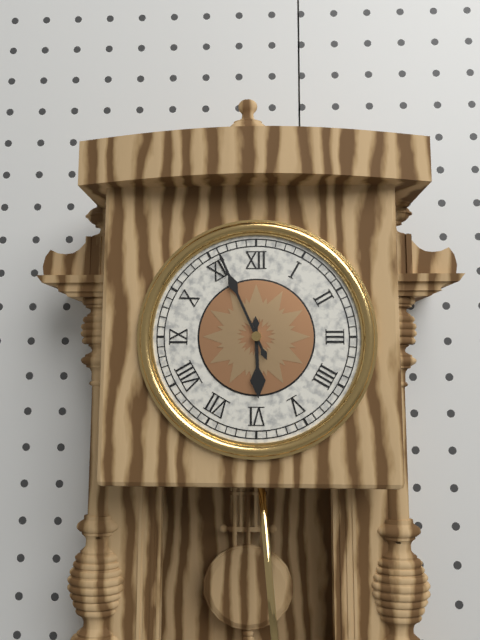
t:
5:56
